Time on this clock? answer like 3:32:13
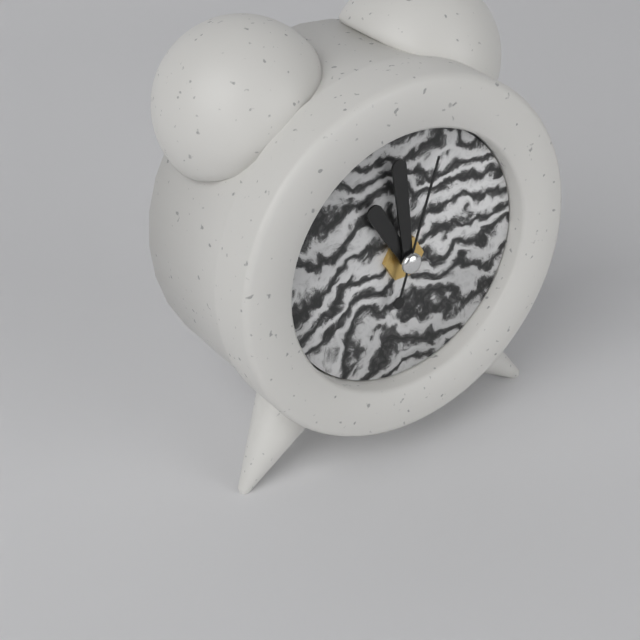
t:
10:59:03
